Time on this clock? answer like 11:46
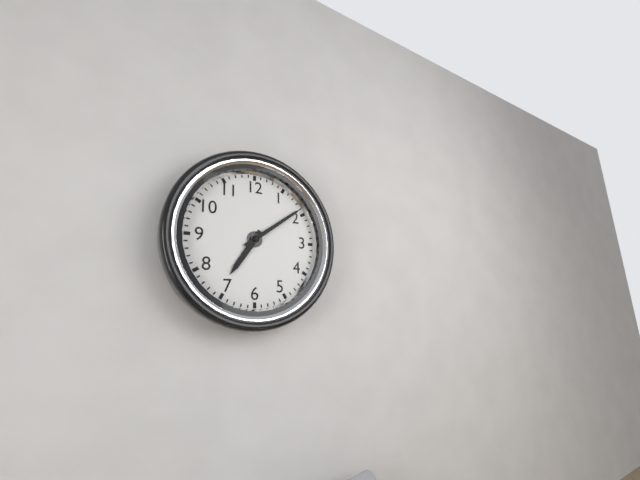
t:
7:09
